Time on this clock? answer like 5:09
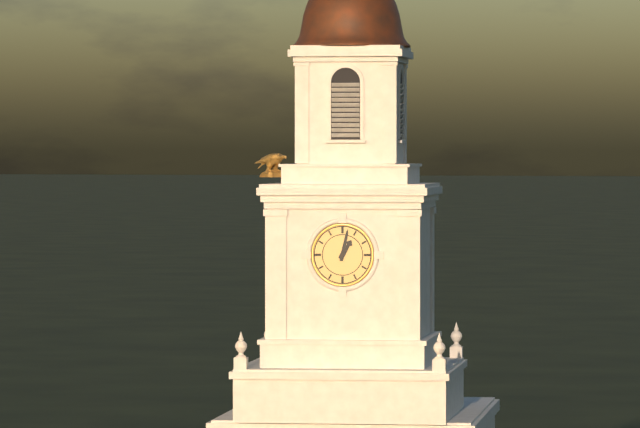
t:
1:02
